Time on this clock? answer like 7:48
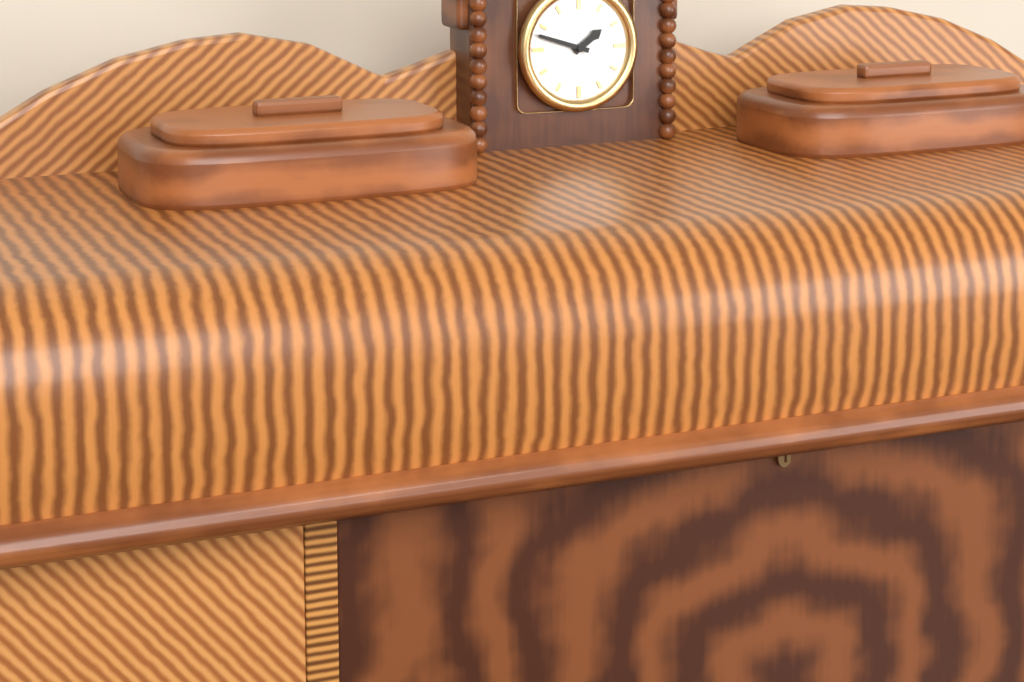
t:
1:48
